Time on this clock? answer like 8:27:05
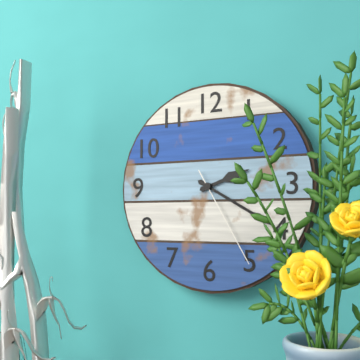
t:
2:20:25
